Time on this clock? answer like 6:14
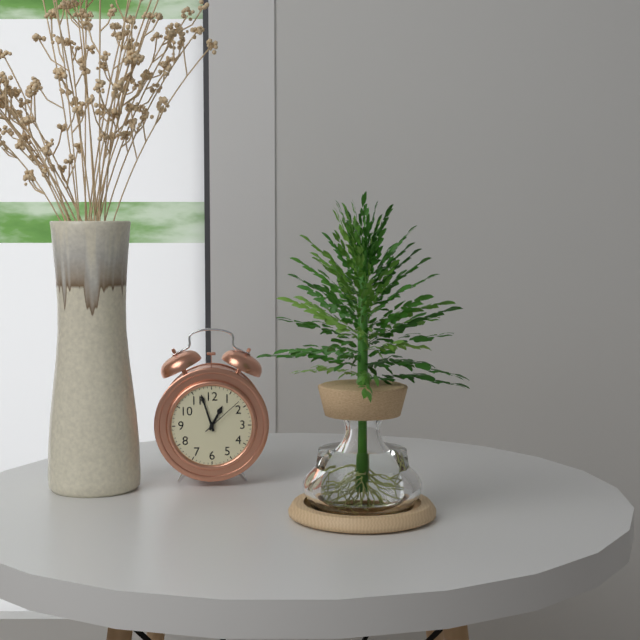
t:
12:57
